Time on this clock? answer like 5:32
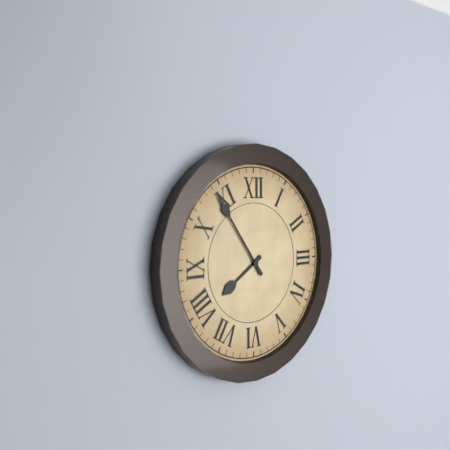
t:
7:54
